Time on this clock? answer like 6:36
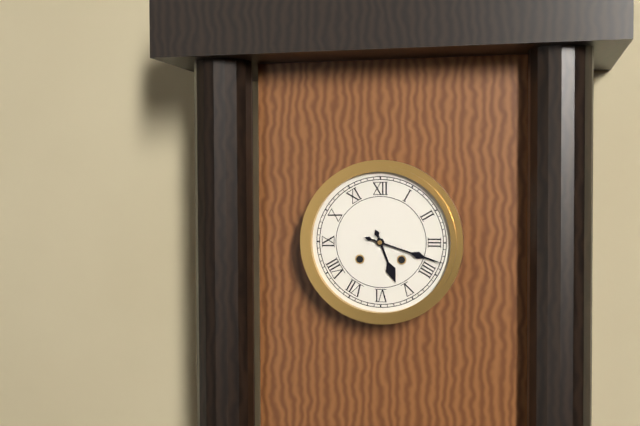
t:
5:18
